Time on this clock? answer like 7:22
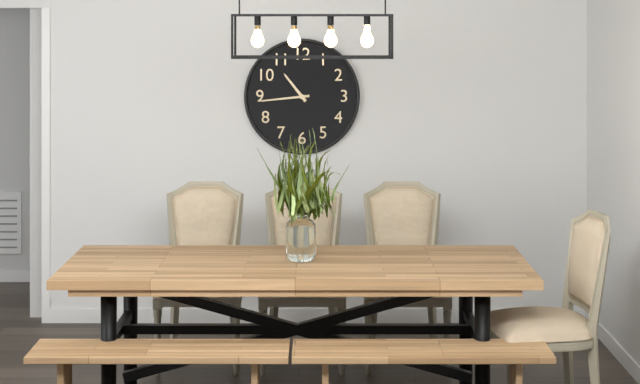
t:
10:44
